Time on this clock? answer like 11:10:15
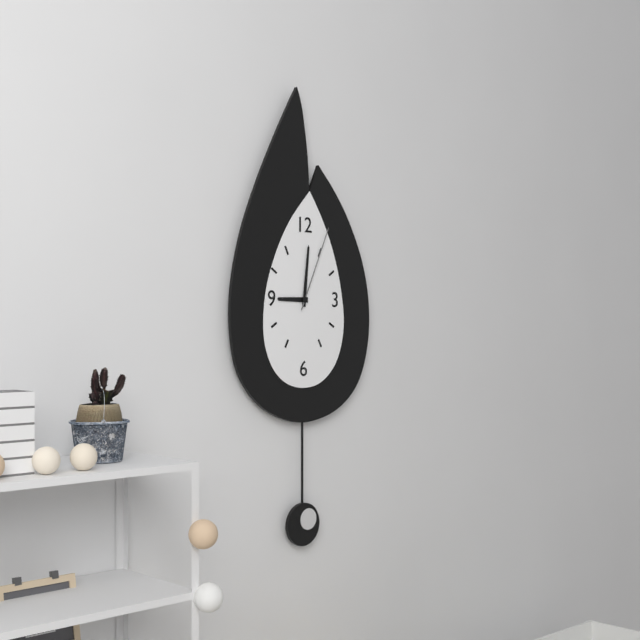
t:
9:01:04
